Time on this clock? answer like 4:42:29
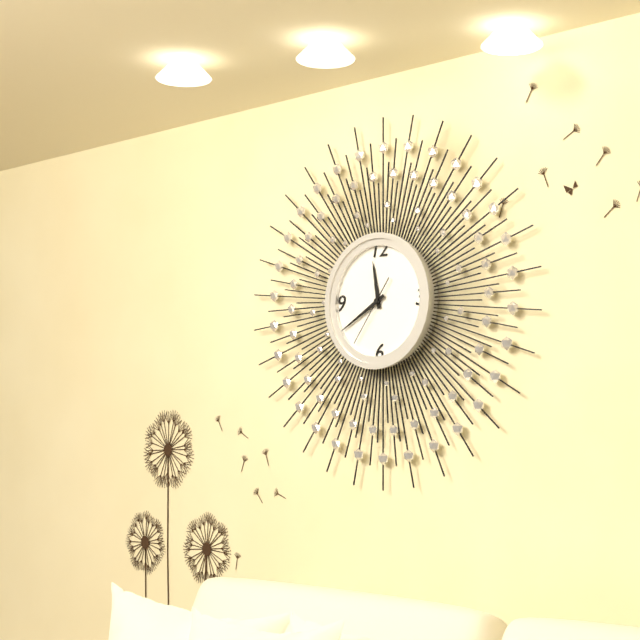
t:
11:40:36
